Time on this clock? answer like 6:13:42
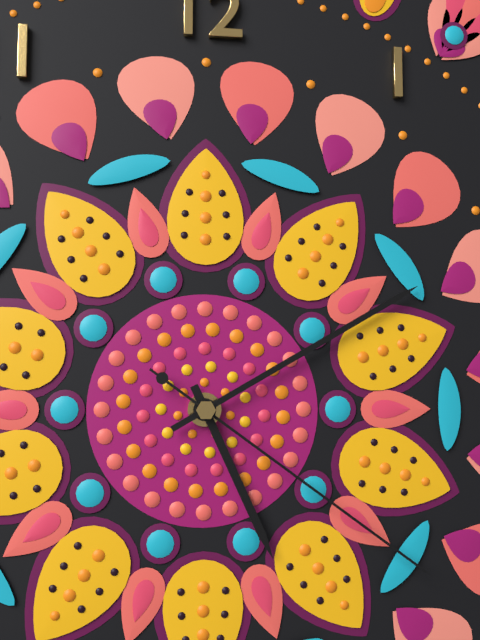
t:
5:10:21
